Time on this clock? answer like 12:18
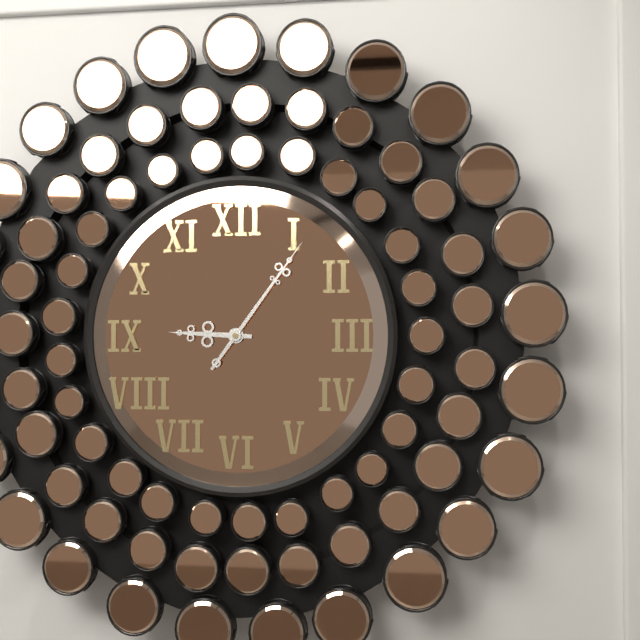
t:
9:06
